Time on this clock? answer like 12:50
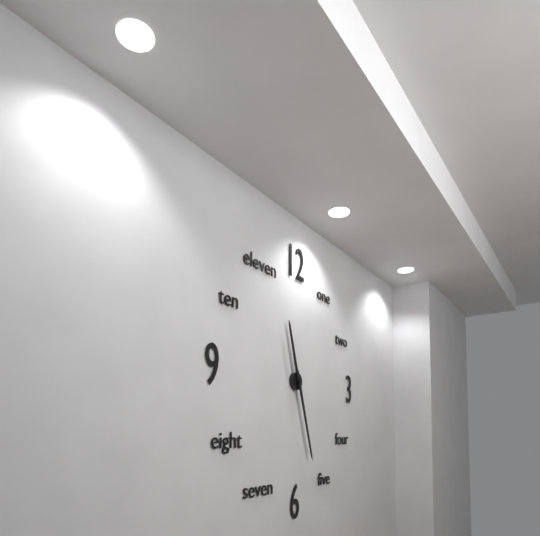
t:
11:27
